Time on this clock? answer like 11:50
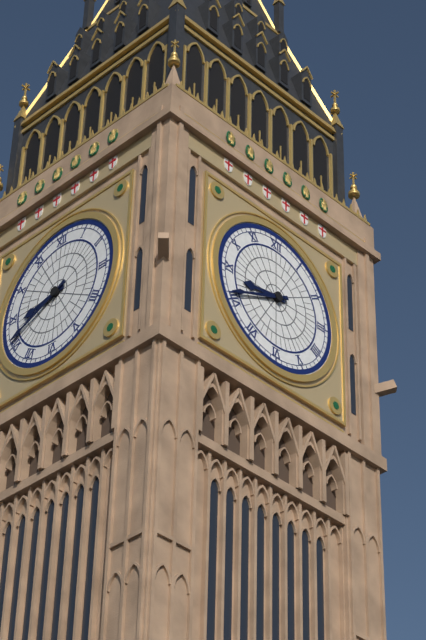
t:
8:41
